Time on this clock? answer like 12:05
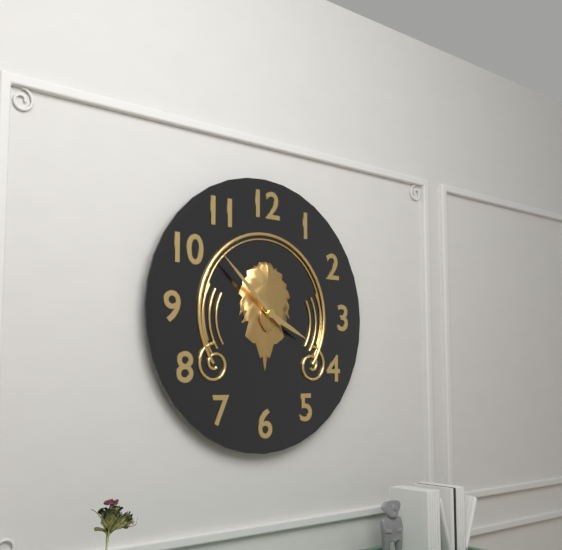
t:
3:52
